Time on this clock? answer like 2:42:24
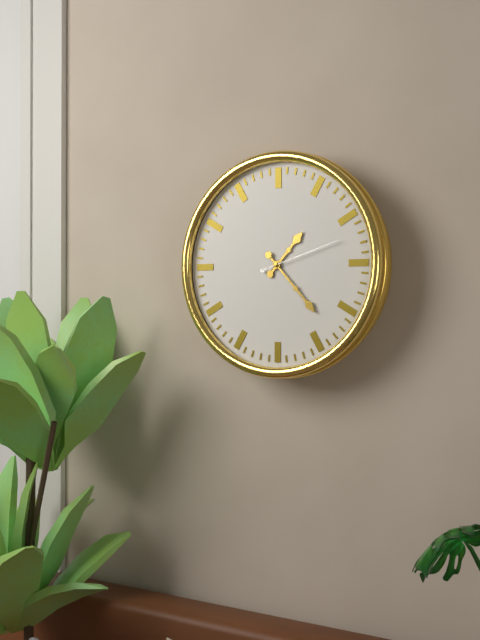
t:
1:23:12
